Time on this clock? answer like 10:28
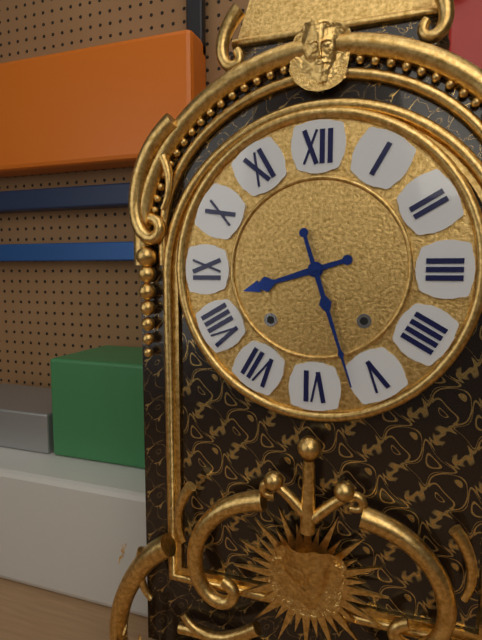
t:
8:27
